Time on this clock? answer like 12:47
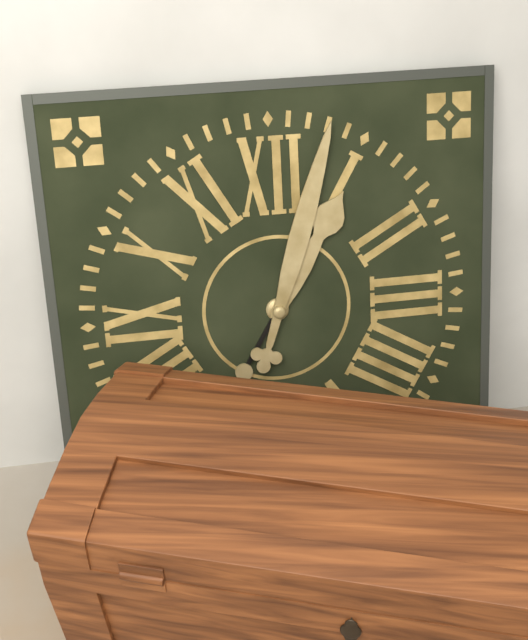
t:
1:03
